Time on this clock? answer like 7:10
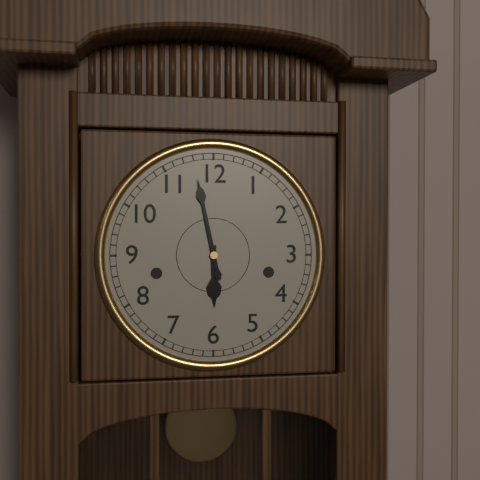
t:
5:58
